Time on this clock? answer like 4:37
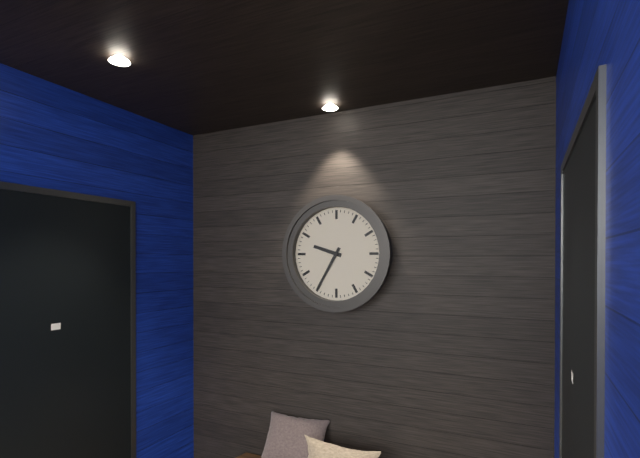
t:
9:35
